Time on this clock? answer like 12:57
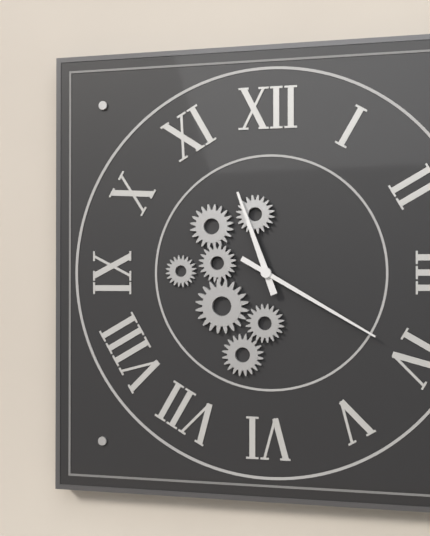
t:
11:20
